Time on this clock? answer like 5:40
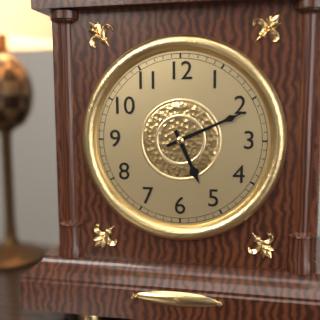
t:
5:11
